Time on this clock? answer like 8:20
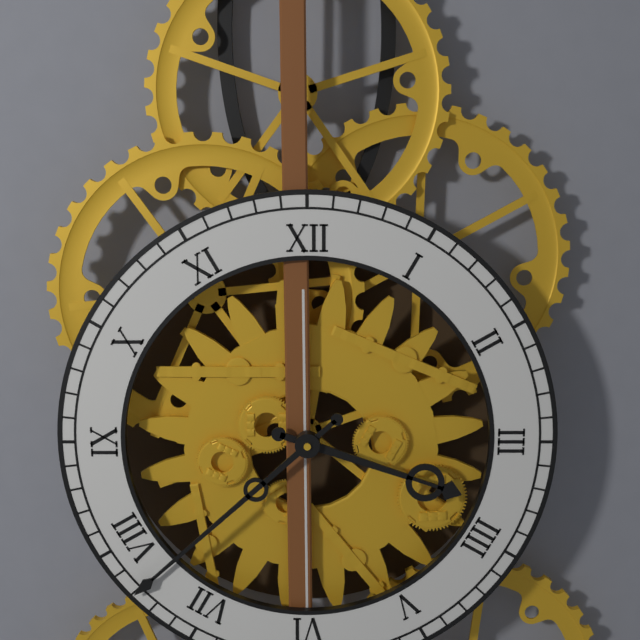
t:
3:38
